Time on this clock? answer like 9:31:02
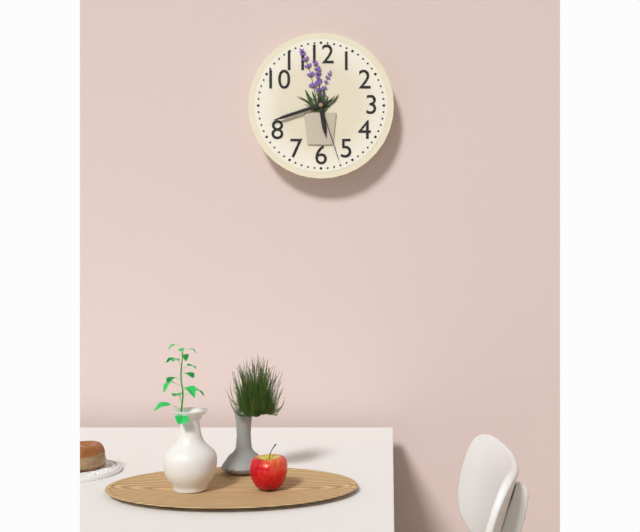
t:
5:42:27
